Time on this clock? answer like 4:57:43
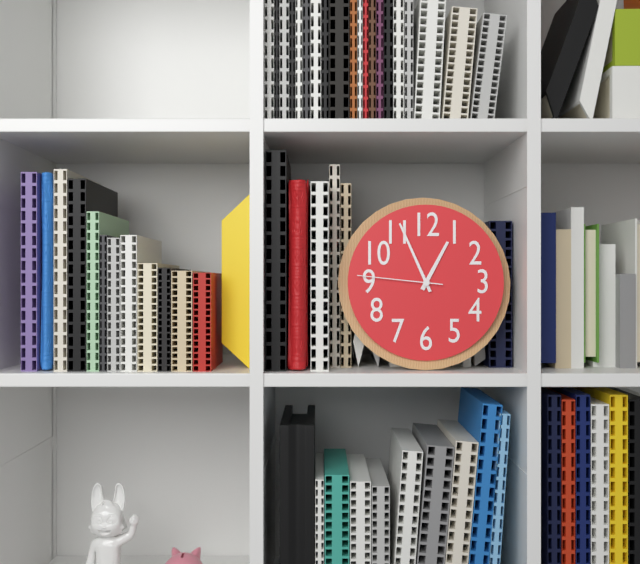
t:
12:56:46
